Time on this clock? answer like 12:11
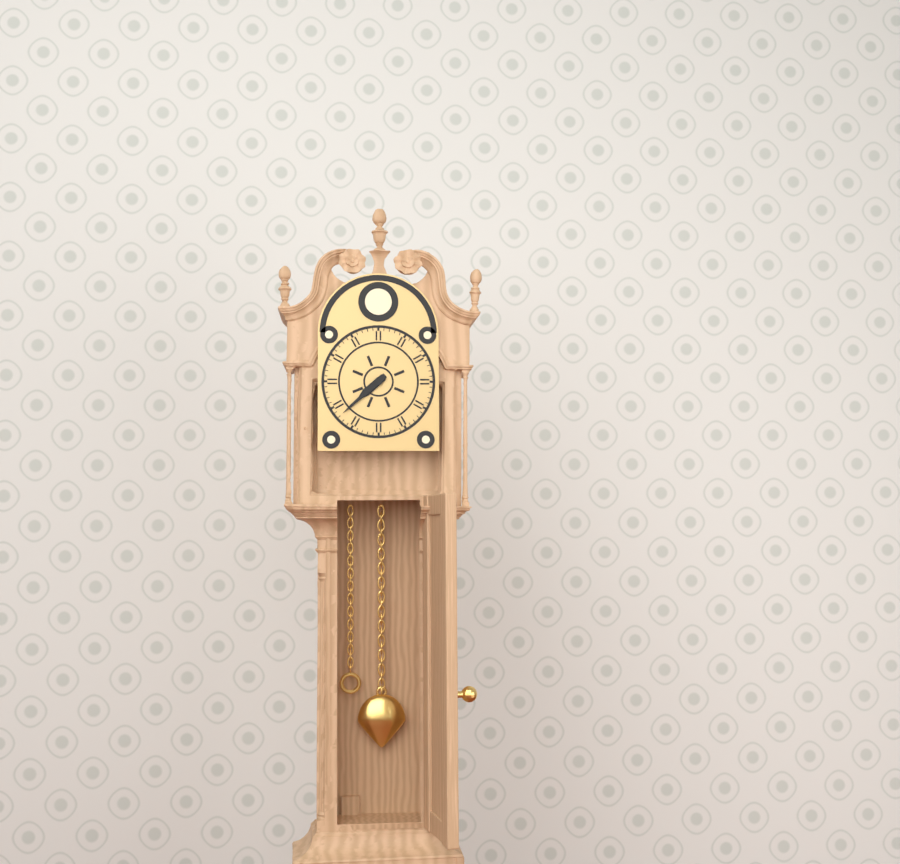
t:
7:38
